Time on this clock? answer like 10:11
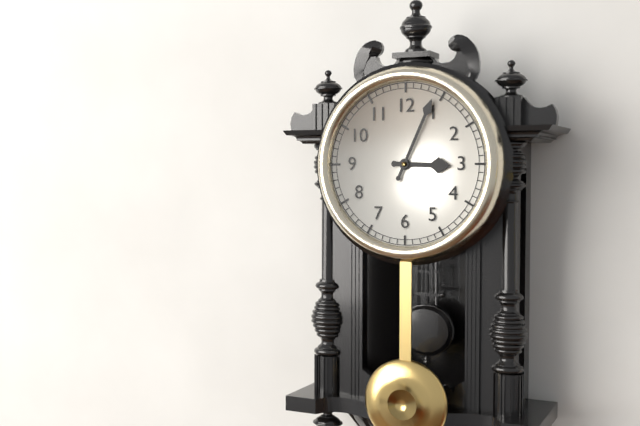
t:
3:04
